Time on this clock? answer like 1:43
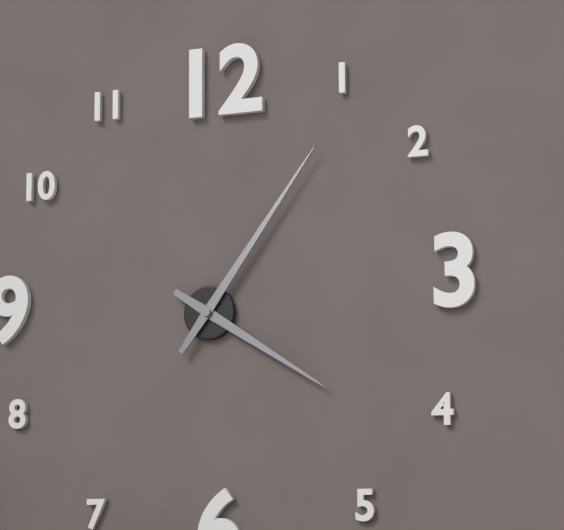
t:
4:06
